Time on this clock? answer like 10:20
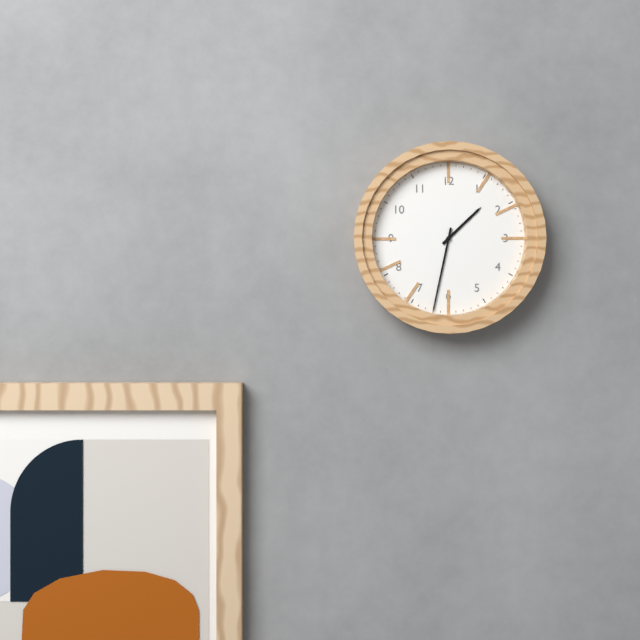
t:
1:32
